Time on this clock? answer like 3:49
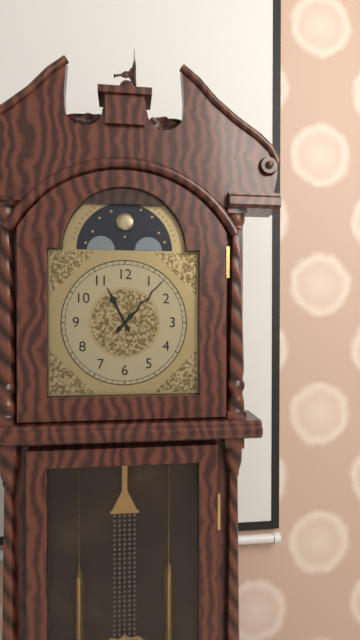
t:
11:07
